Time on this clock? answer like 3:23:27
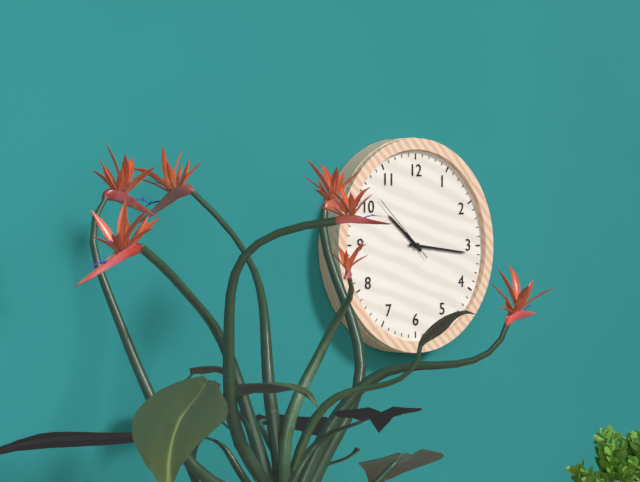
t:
10:16:52
